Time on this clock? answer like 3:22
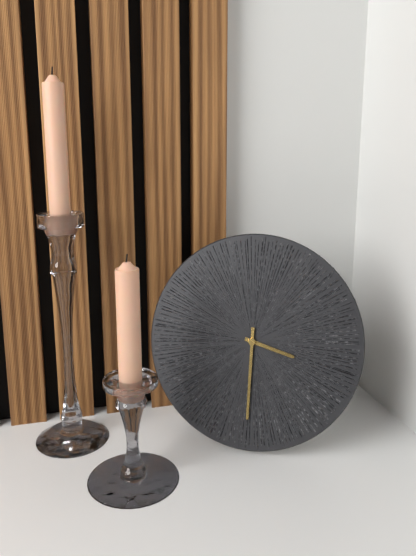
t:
3:30
